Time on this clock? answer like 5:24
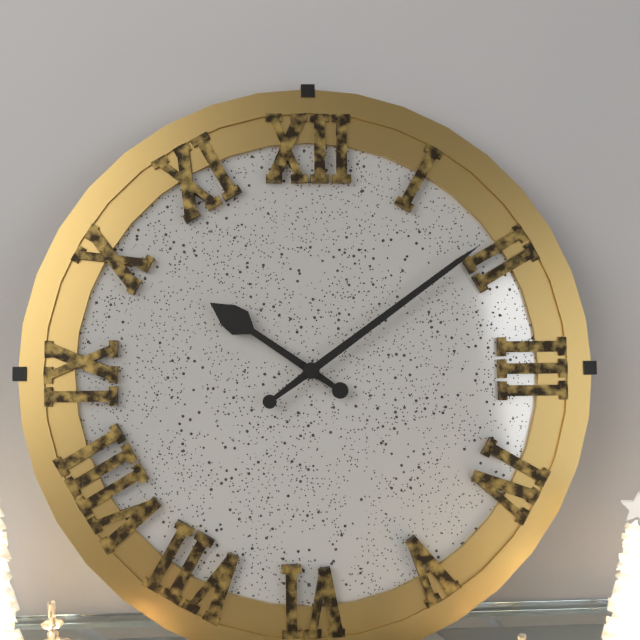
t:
10:09
